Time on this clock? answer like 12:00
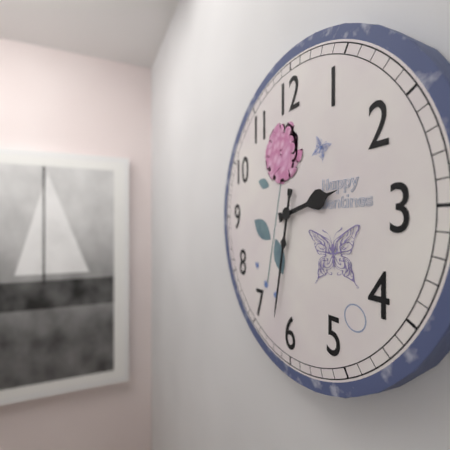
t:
2:32
